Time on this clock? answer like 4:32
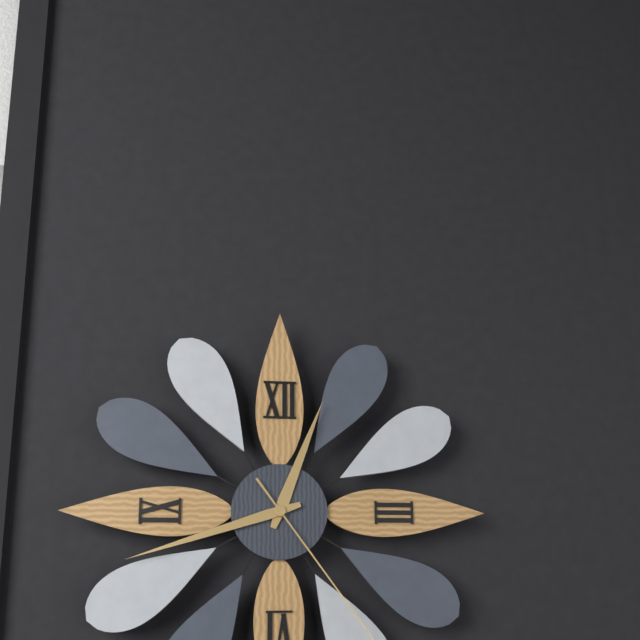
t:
12:42
